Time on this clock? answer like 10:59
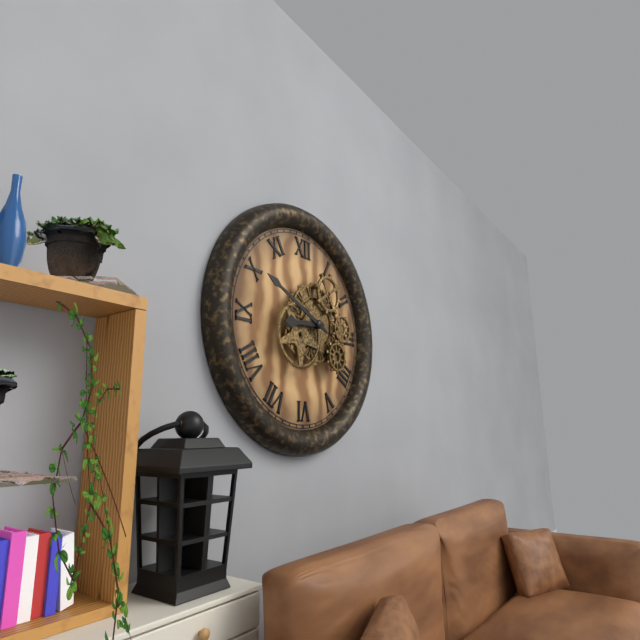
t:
8:49
